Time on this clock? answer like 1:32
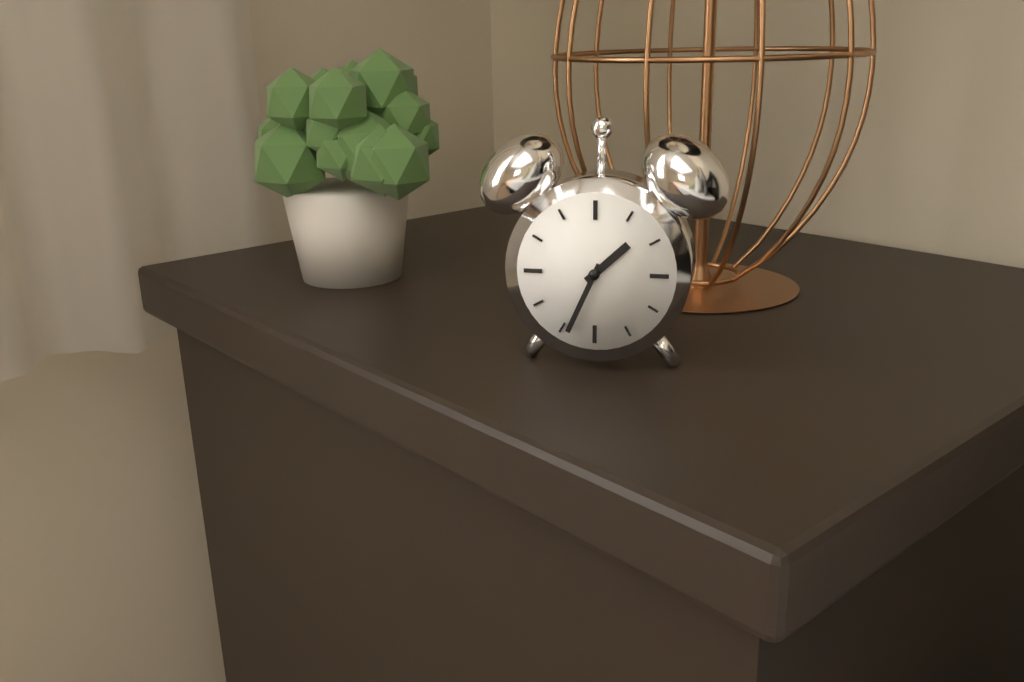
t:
1:34
